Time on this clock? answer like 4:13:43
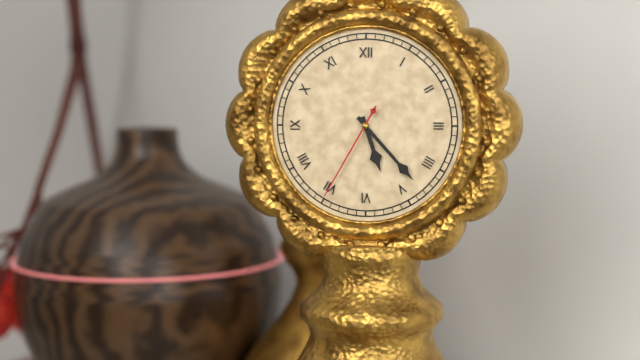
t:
5:23:35
